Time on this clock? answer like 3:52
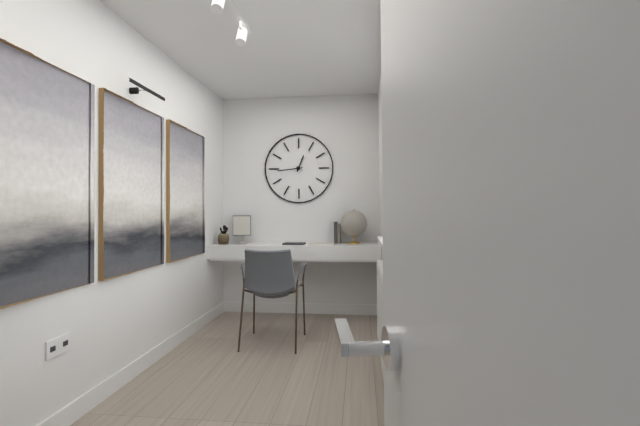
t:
12:44
